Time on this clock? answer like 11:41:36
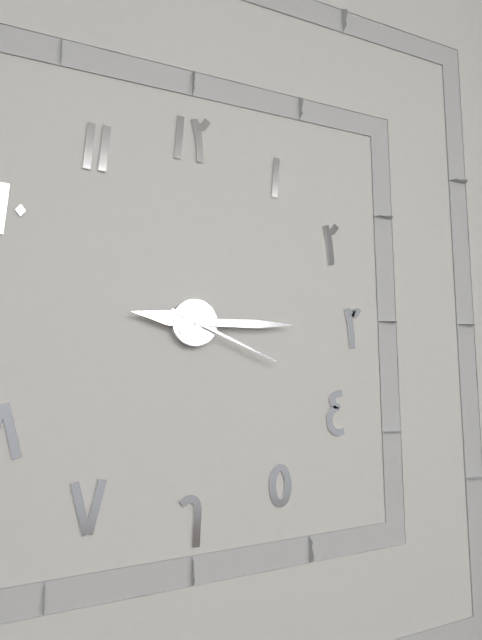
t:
9:15:19
